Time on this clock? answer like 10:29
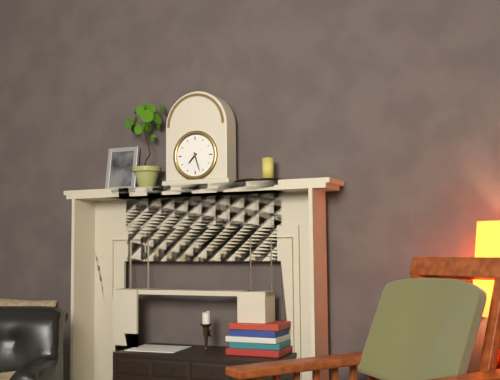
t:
7:27
